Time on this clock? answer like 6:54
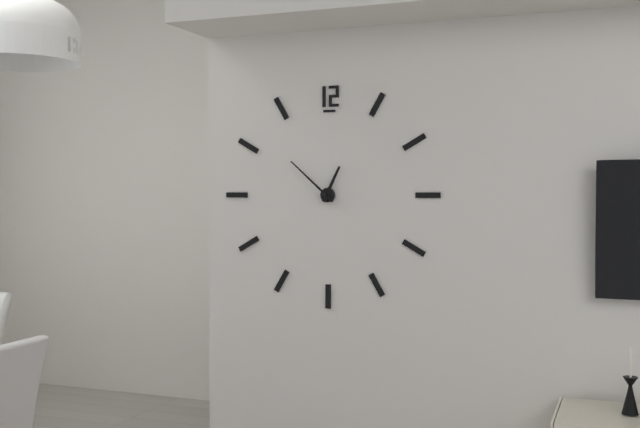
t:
12:52
